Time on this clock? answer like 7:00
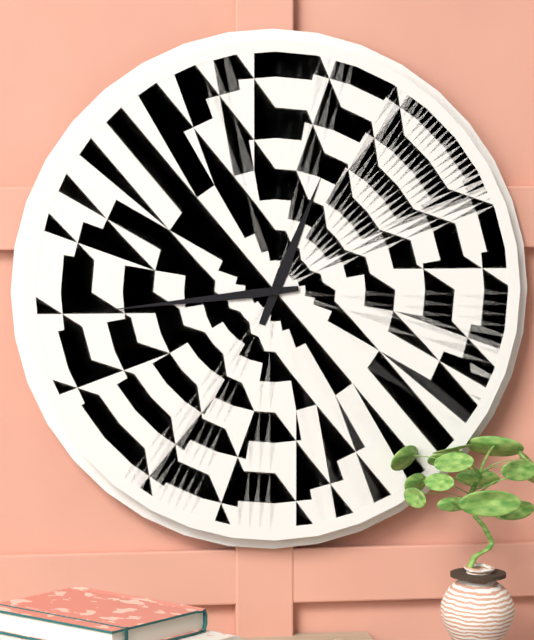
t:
12:44
